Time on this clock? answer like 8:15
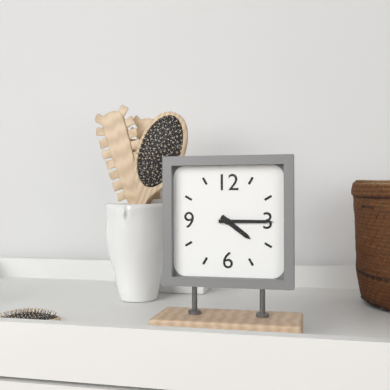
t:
4:15
